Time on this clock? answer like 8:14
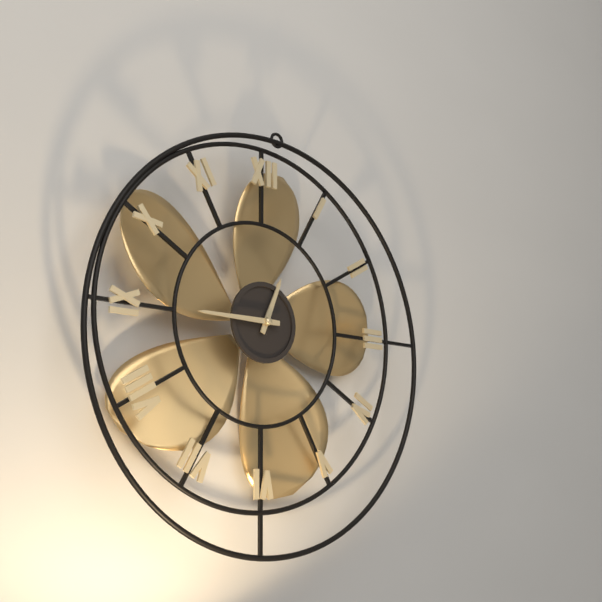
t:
12:45
